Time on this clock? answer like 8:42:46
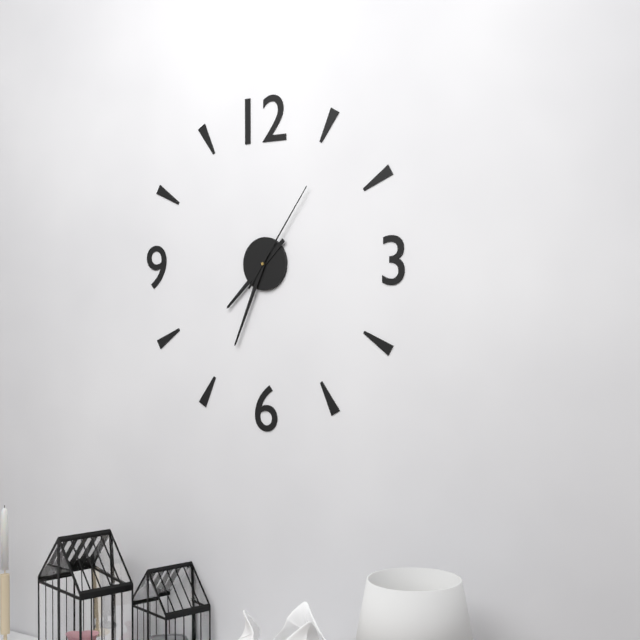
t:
7:34:06
